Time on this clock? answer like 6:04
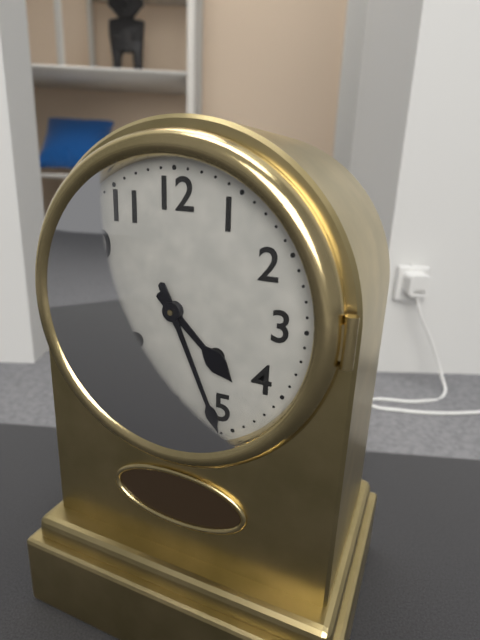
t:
4:26
